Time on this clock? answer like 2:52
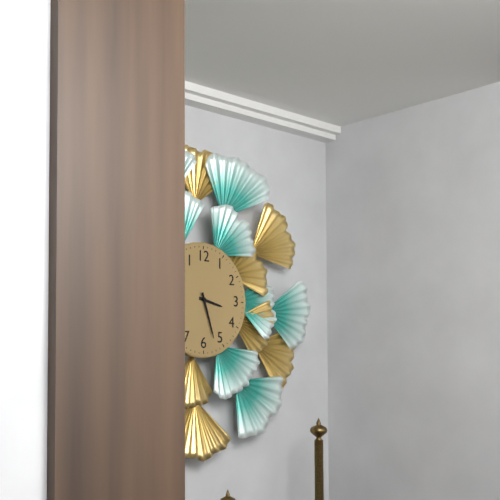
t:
3:27
